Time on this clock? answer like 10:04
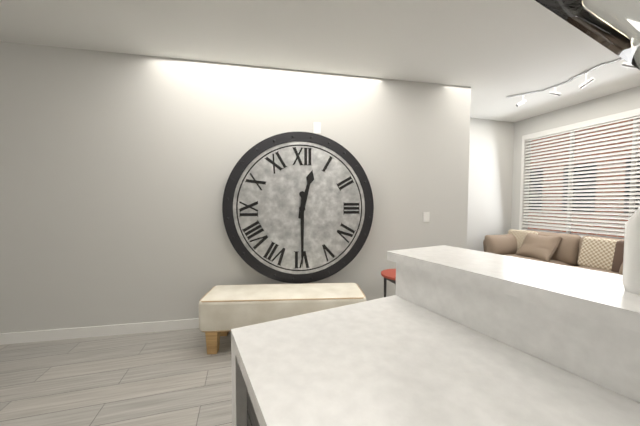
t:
12:30
